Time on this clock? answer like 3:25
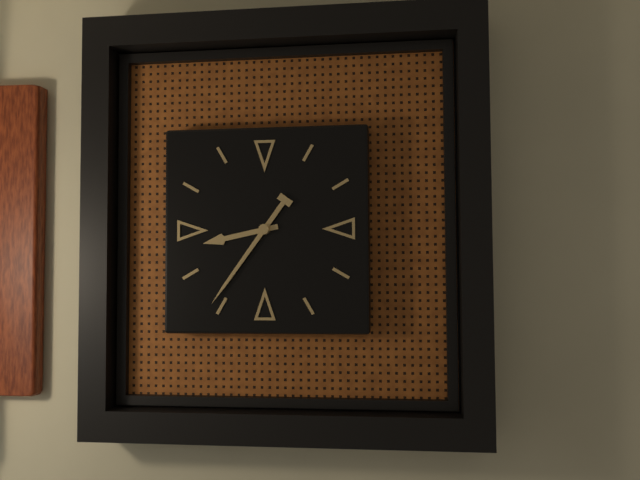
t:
8:36
